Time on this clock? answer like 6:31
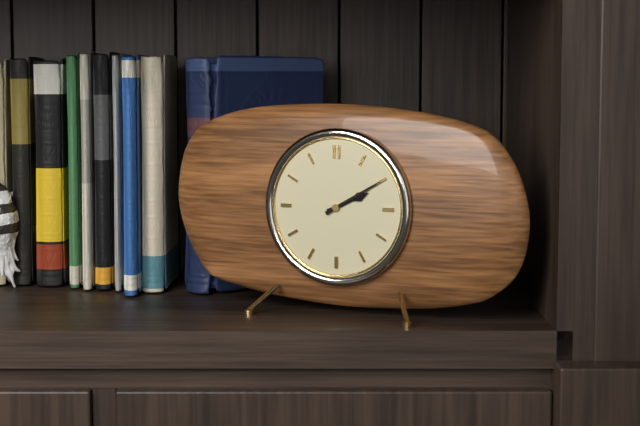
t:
2:10
